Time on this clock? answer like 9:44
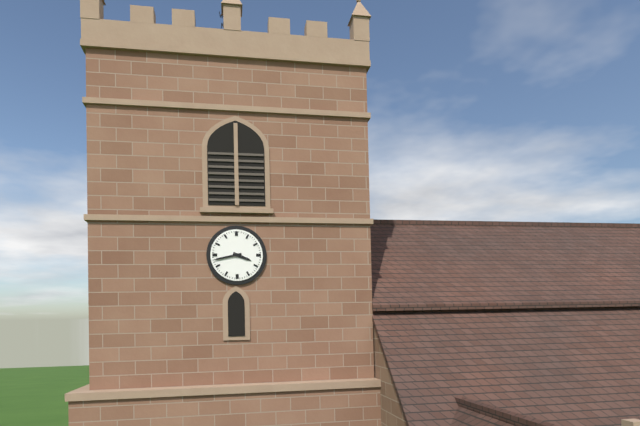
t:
3:43
